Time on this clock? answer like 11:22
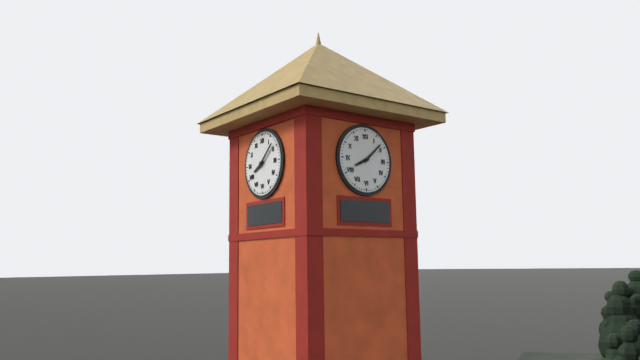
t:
8:08
